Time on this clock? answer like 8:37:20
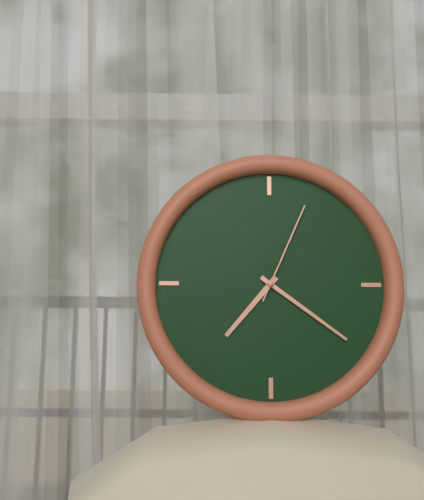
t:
7:21:04
